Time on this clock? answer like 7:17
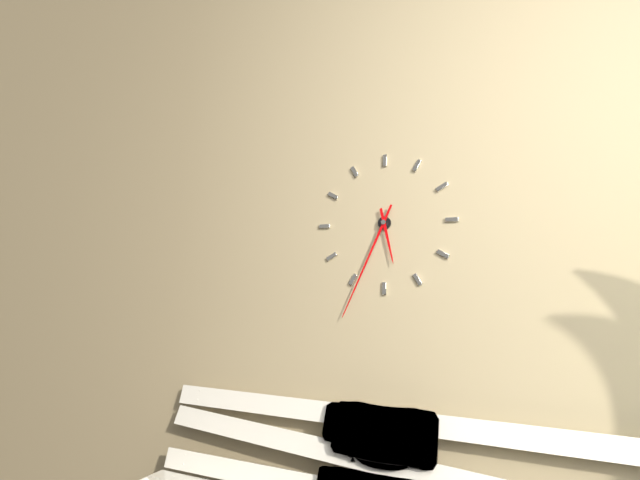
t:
5:34
